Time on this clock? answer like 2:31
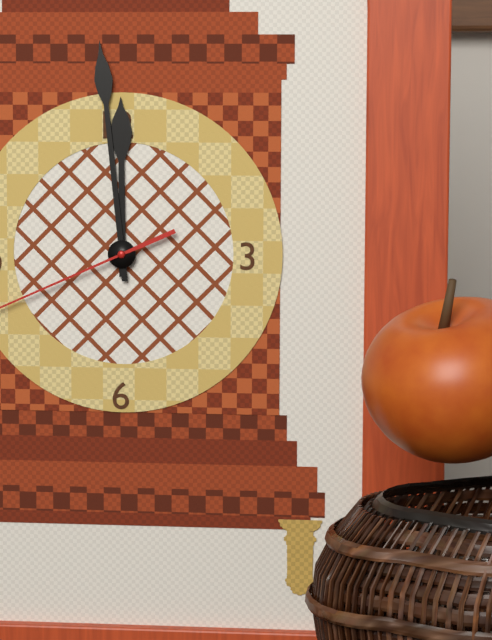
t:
11:59
